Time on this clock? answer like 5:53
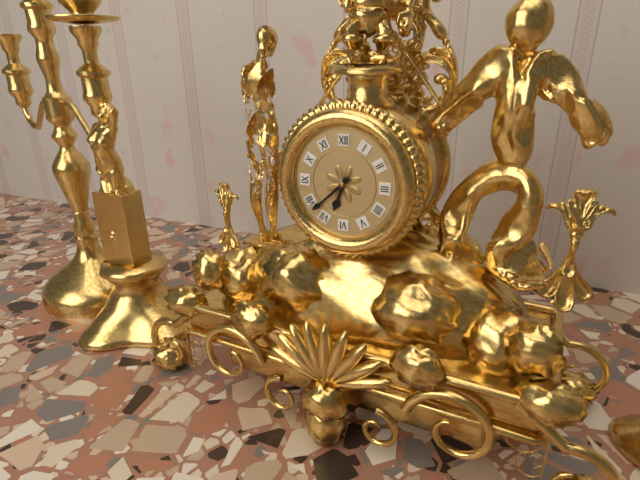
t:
6:38
